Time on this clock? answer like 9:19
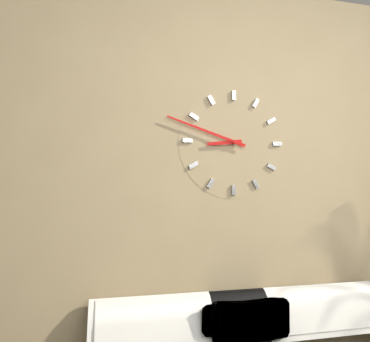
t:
8:48
